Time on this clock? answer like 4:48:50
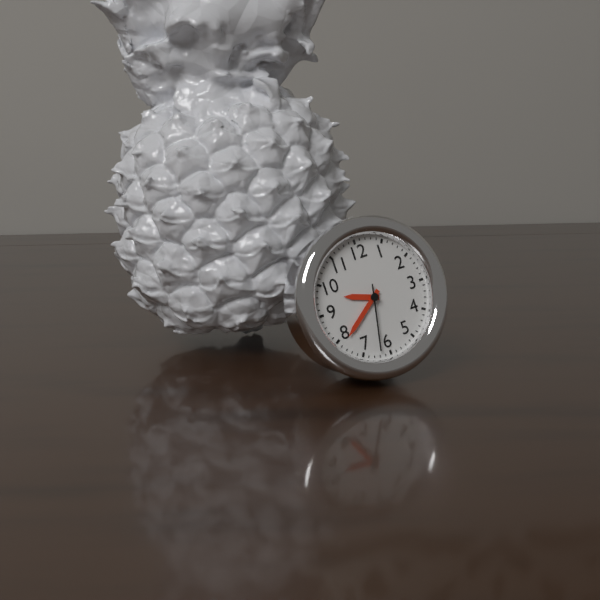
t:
9:39:32
